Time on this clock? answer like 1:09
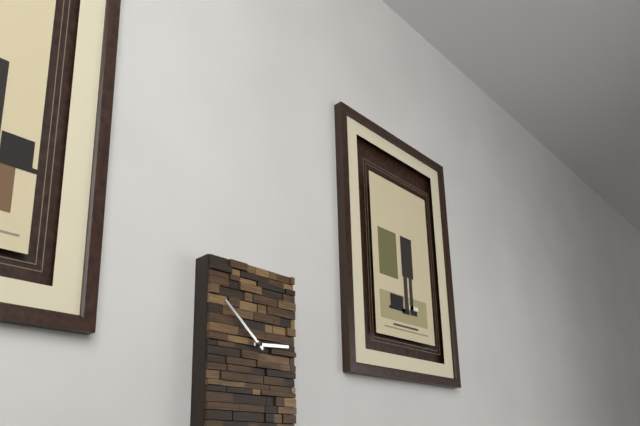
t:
2:52
